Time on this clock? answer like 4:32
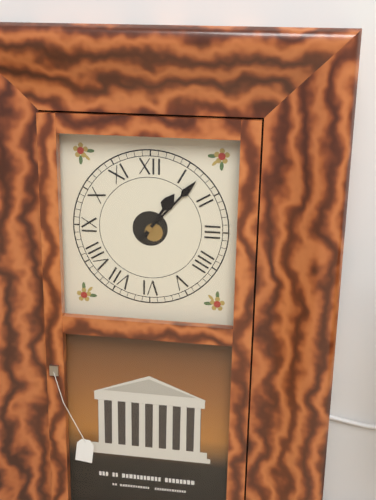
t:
1:07
